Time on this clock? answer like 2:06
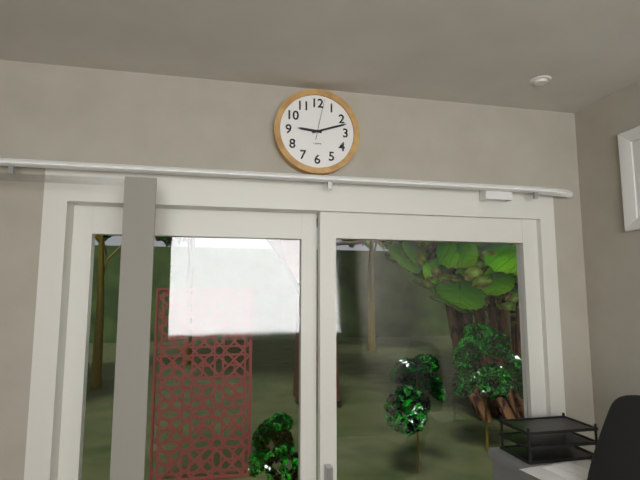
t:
9:12
